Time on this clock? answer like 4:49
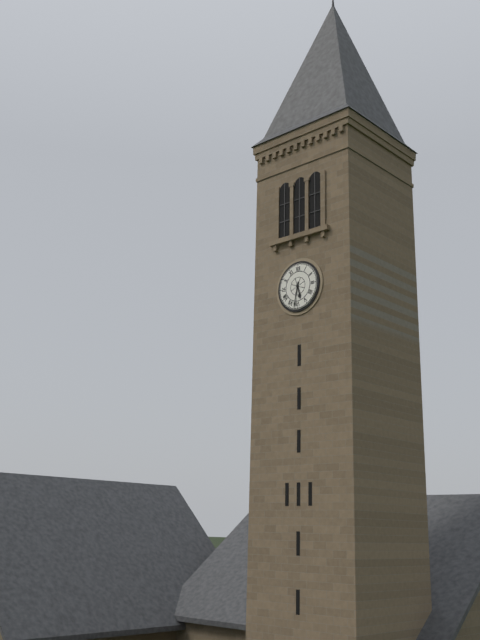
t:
5:32
